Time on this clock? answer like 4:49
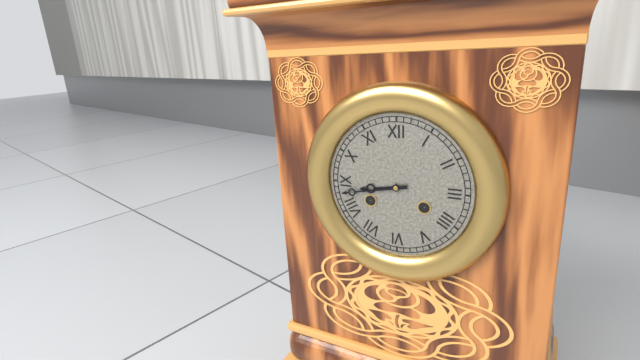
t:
8:43
